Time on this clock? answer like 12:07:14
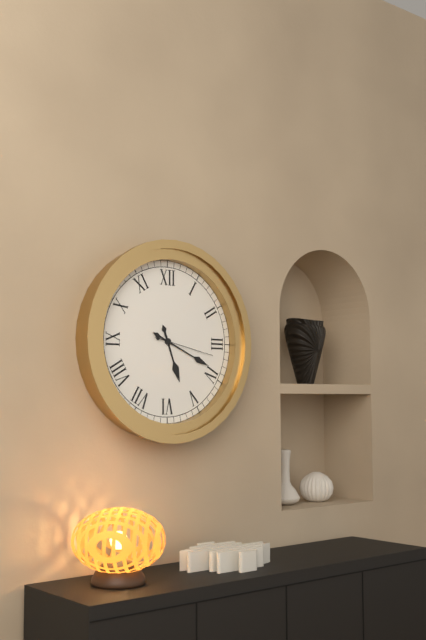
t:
5:19:17
